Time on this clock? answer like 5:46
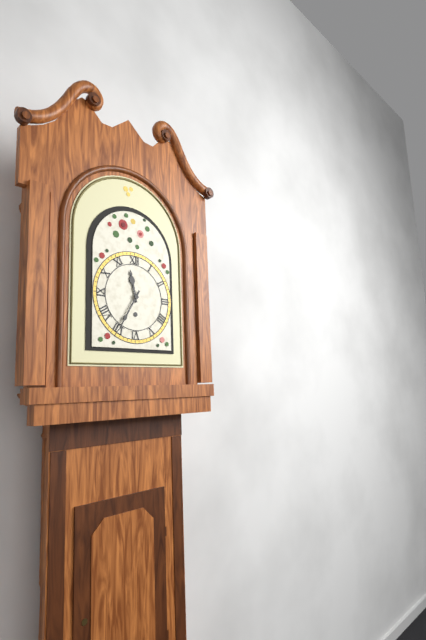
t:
11:35
